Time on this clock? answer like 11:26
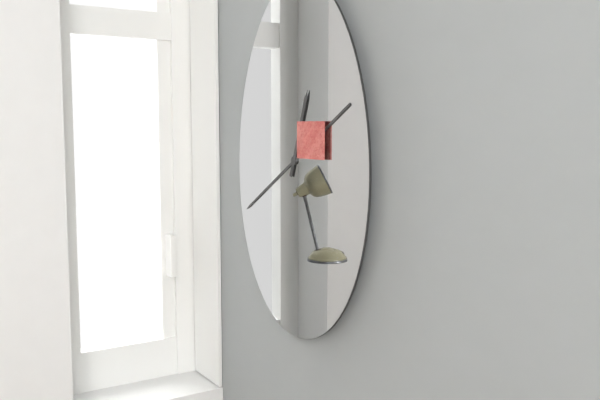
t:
12:40
